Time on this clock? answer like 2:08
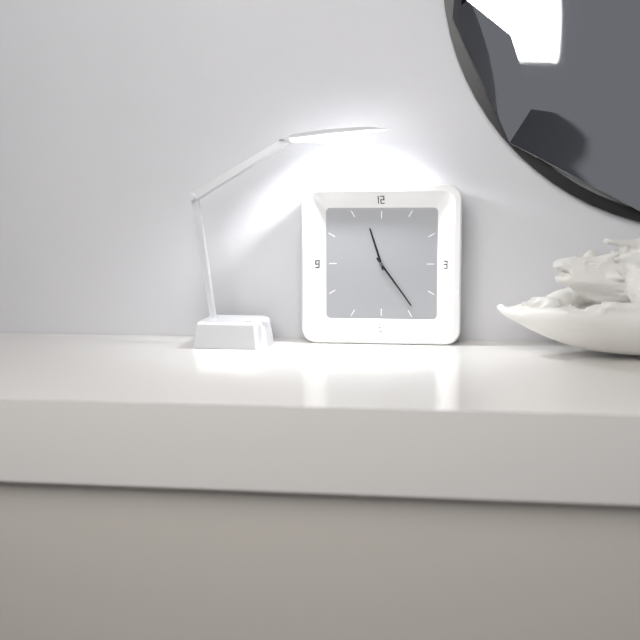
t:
11:24
